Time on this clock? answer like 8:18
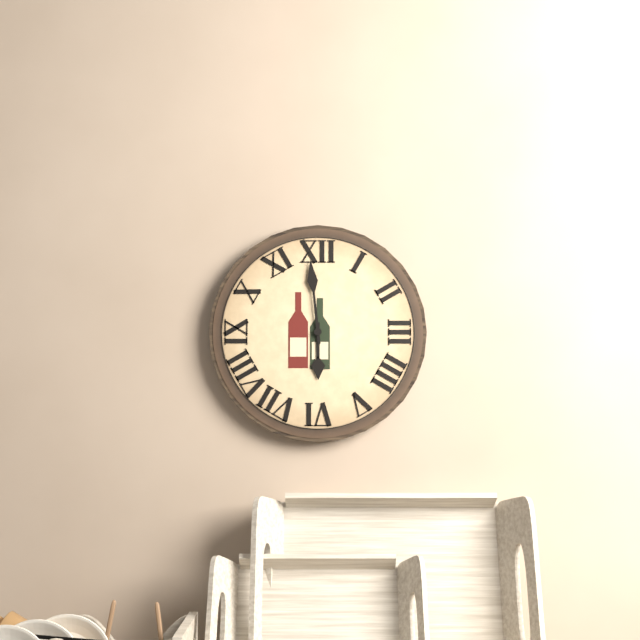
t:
5:59
